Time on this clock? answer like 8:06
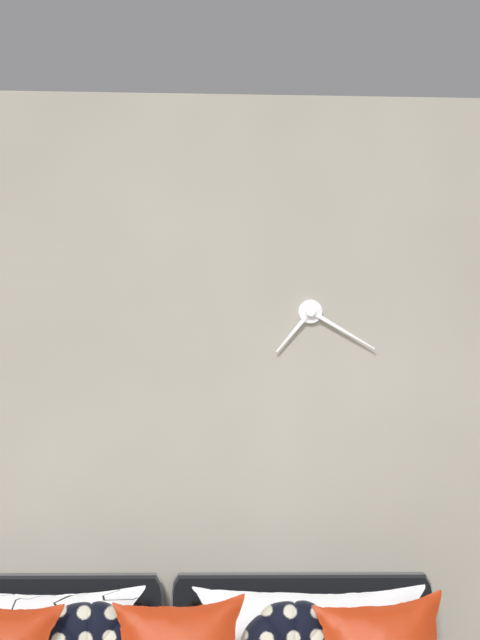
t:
7:20
